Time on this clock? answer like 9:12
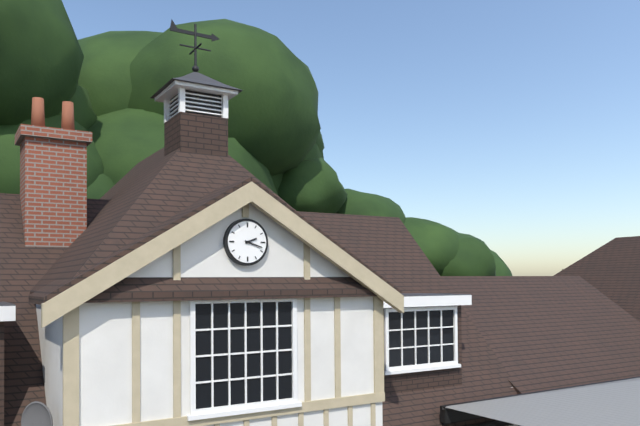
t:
2:18
